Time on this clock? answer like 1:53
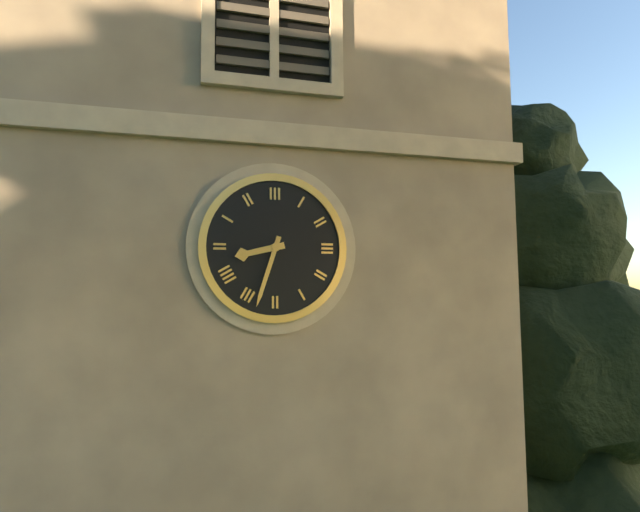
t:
8:33
